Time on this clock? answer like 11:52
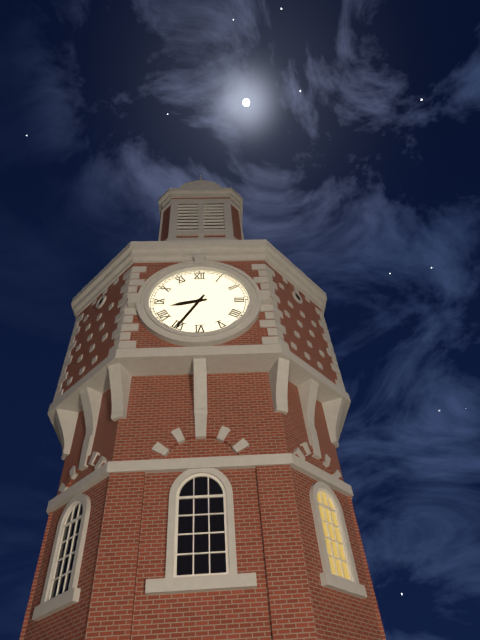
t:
8:35
